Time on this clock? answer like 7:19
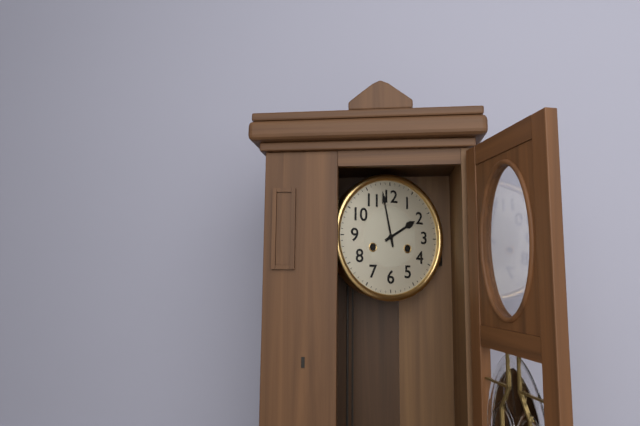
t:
1:58
